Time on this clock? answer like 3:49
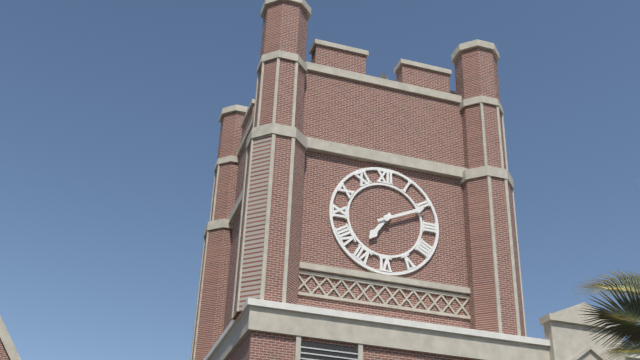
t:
7:11
